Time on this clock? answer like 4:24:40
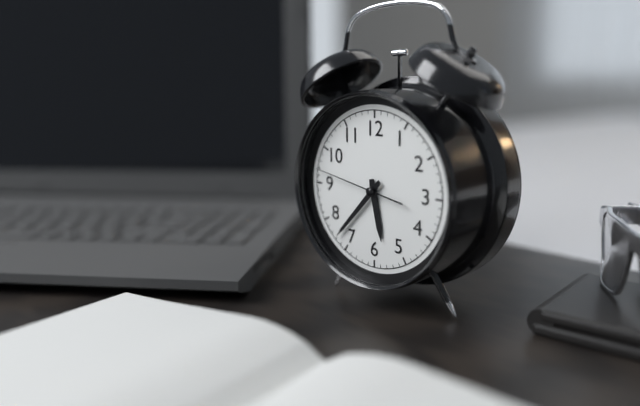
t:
5:37:47
